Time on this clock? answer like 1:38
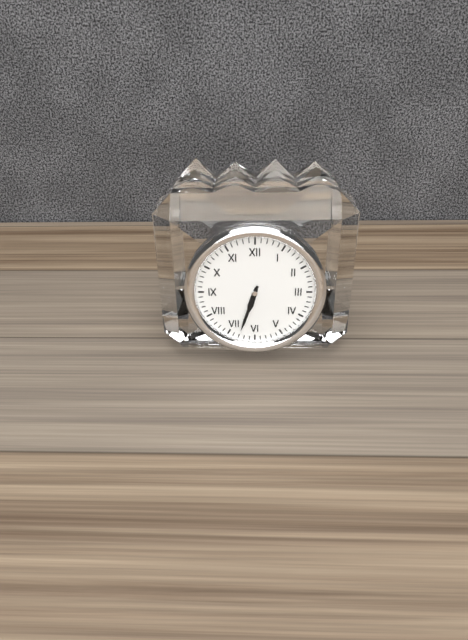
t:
6:33
